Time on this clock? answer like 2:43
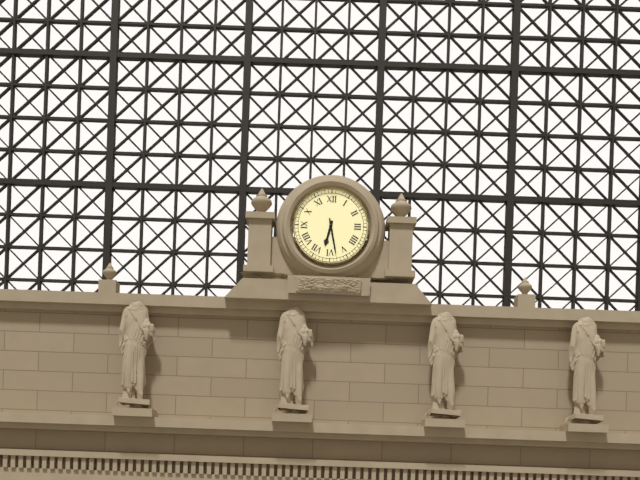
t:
6:28
